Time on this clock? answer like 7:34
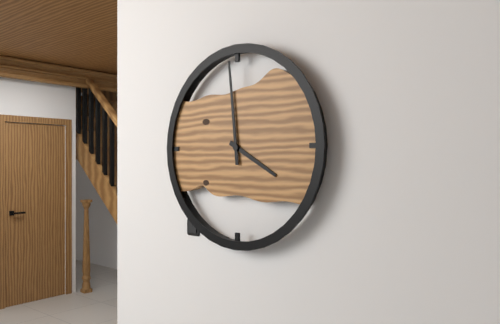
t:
3:59
